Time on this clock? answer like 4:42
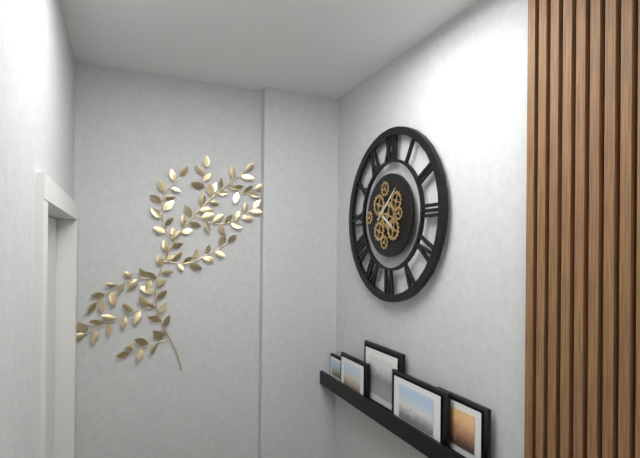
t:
4:08
